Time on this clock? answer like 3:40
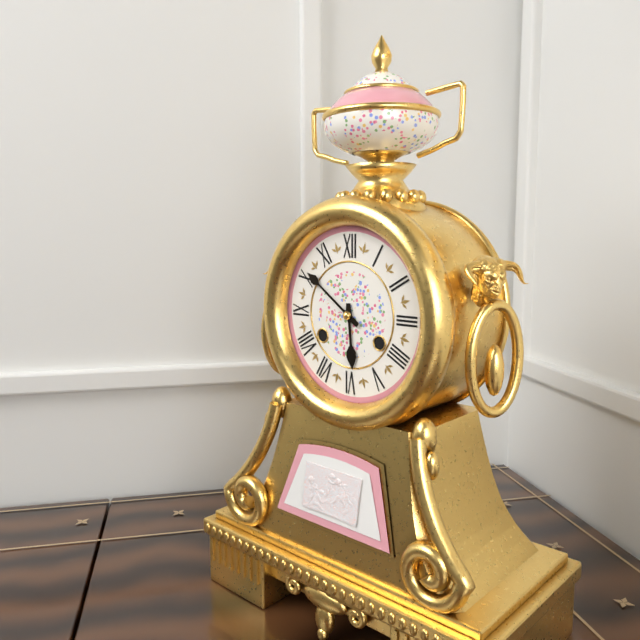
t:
5:51
